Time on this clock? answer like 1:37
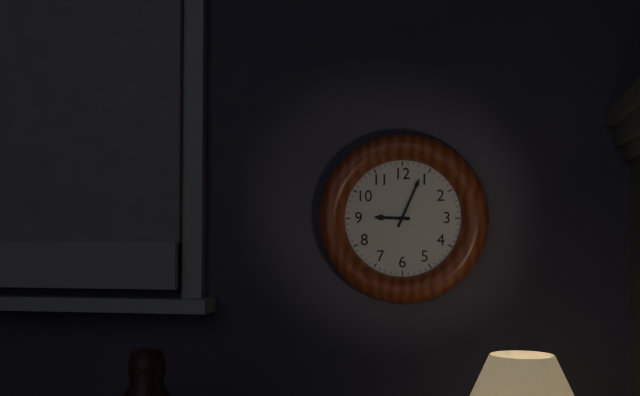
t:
9:04
